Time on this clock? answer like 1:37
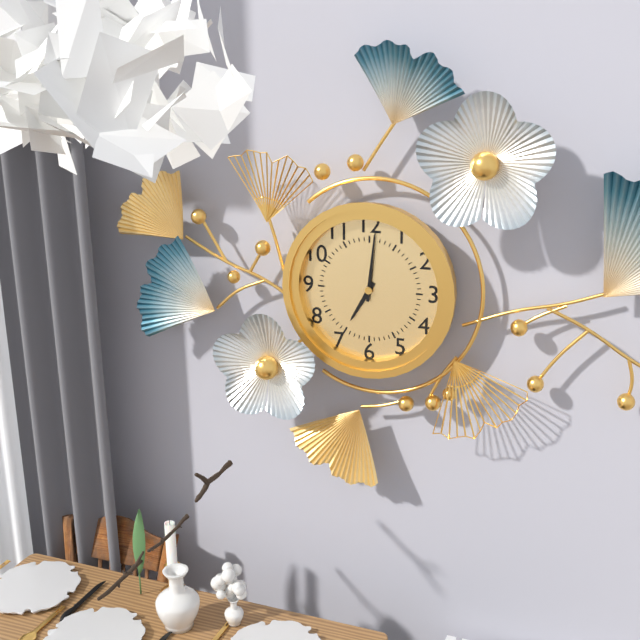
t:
7:01
